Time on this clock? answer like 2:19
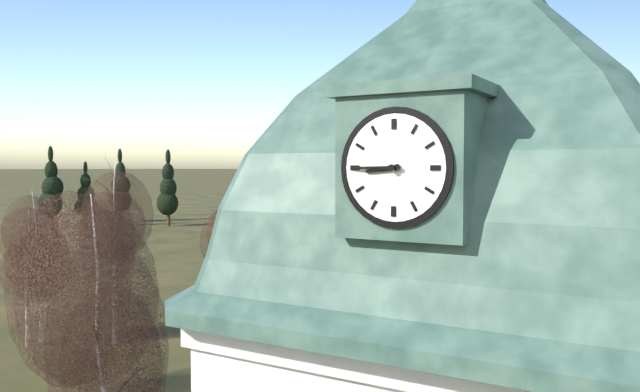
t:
8:45
